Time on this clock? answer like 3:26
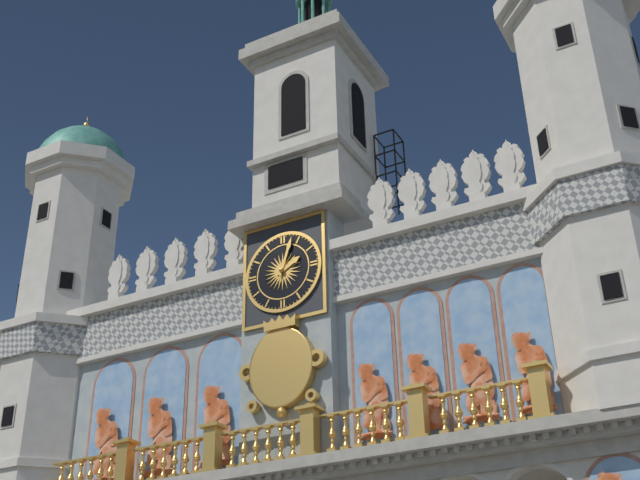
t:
2:03
